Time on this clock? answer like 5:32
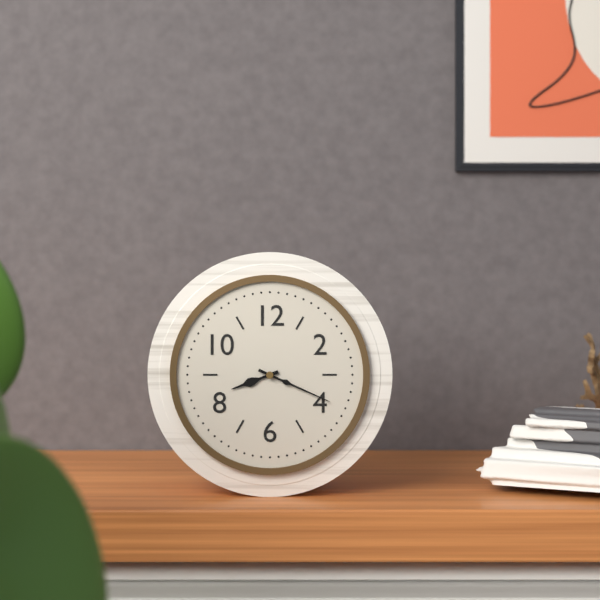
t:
8:19
